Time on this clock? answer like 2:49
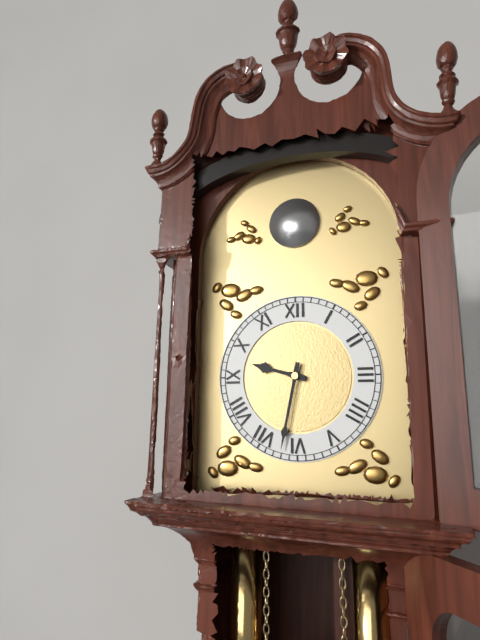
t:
9:32
